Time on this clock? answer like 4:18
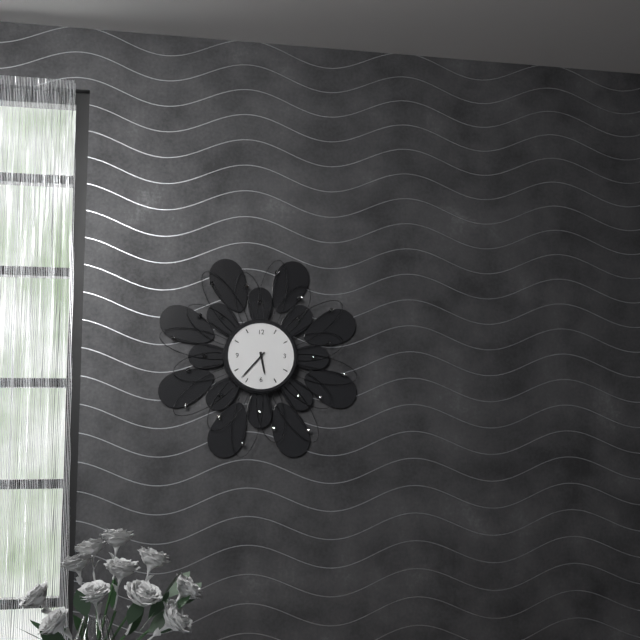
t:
5:37
